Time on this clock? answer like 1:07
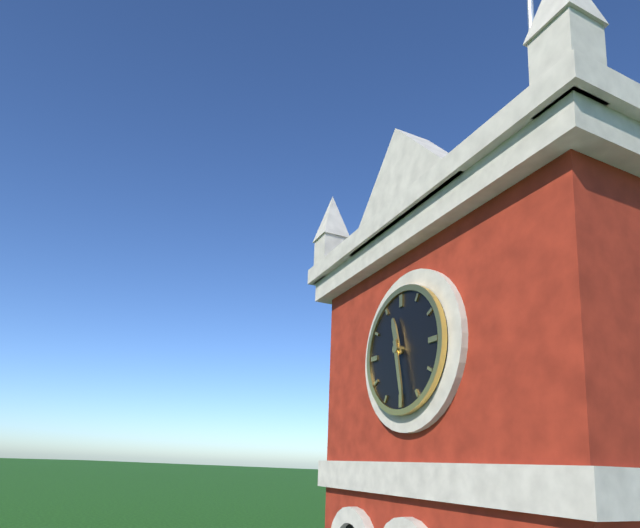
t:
11:28
